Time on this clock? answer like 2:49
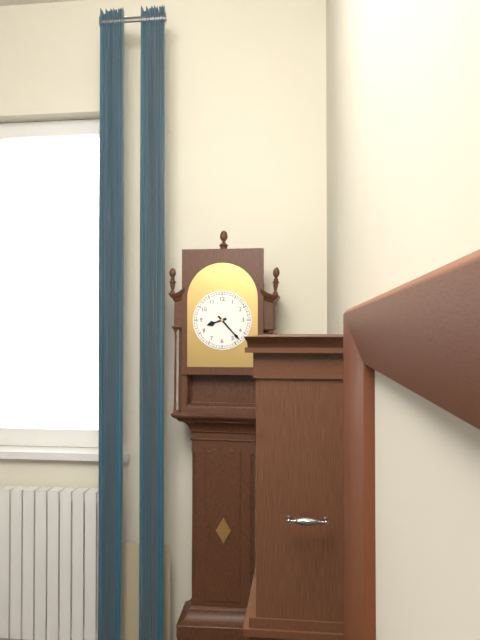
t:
8:23
